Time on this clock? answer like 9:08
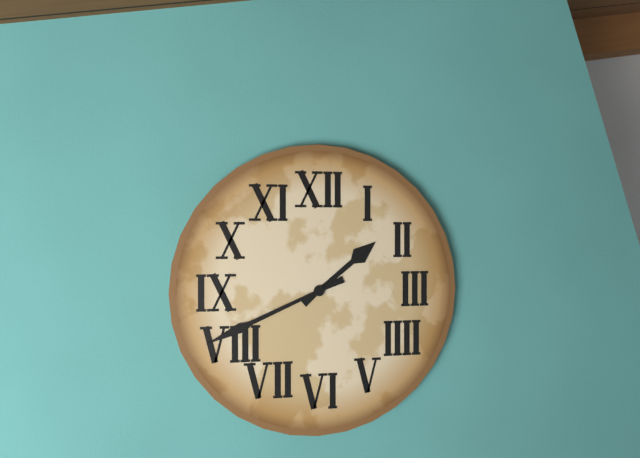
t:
1:41
